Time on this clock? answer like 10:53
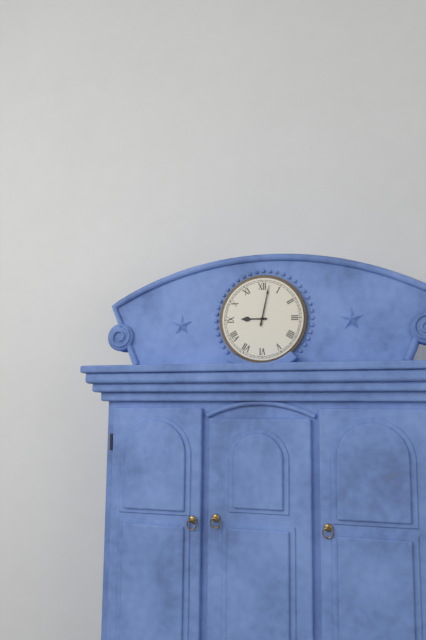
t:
9:02
